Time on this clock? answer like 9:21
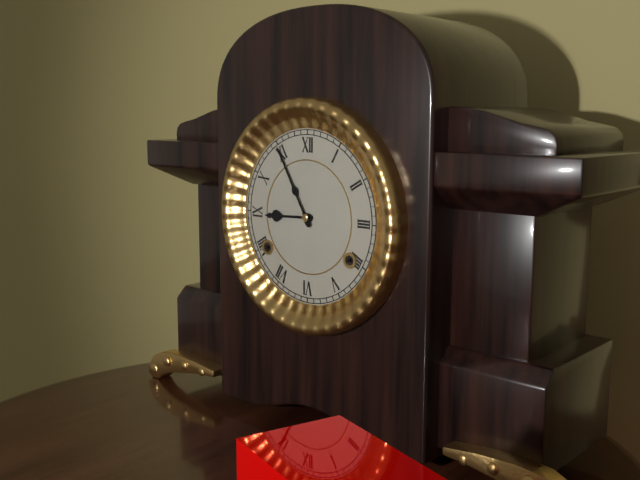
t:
8:55
